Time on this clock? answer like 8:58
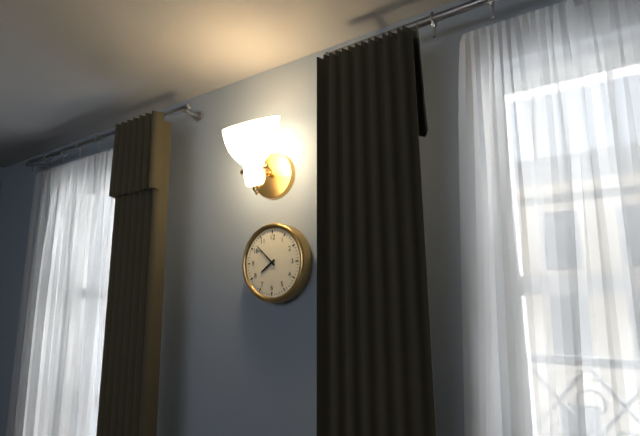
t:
7:52
